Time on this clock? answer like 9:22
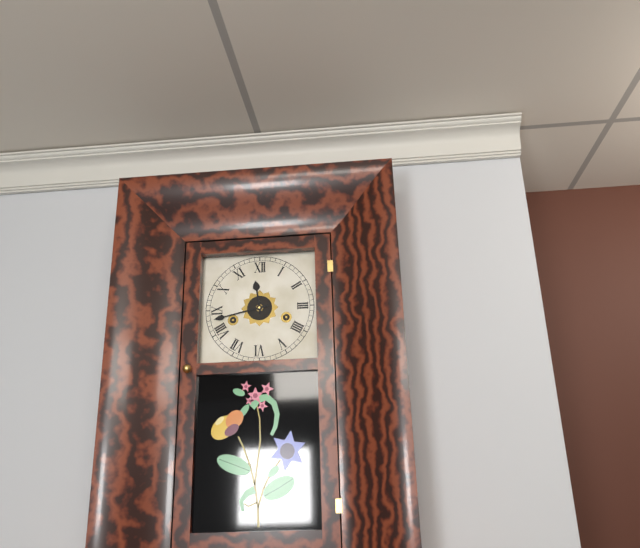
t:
11:43
